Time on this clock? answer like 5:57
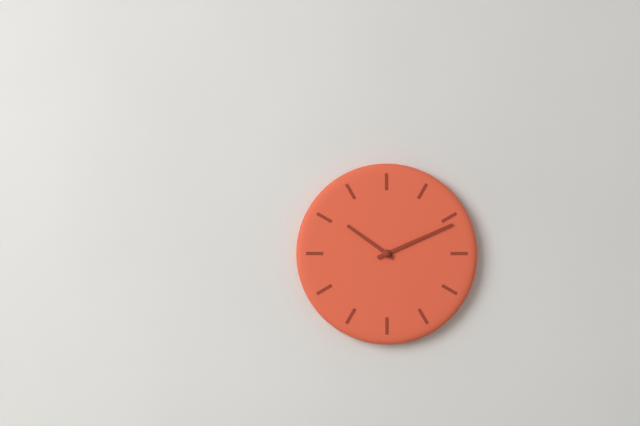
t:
10:11
